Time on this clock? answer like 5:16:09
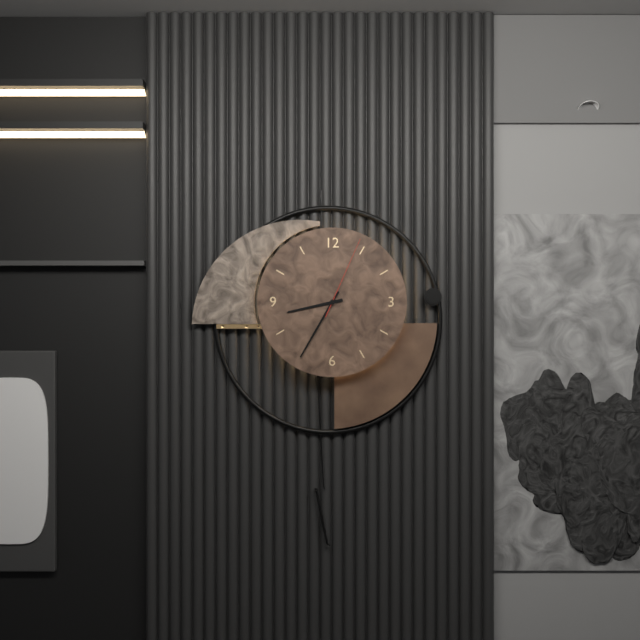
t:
8:35:04
